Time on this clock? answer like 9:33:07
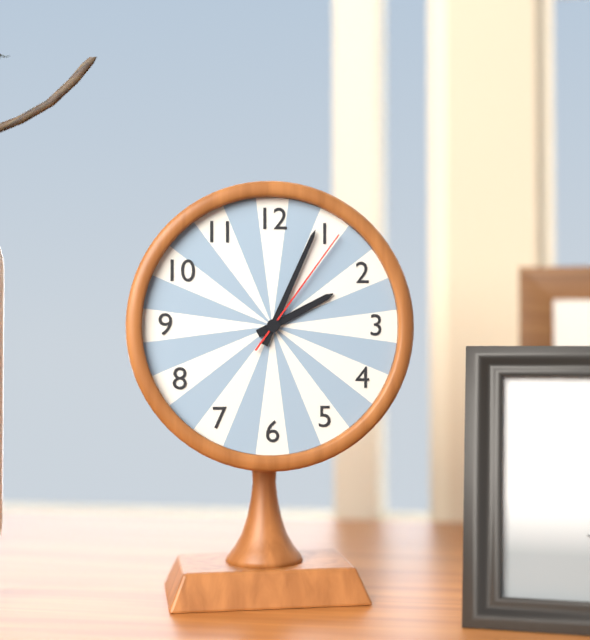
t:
2:04:06
